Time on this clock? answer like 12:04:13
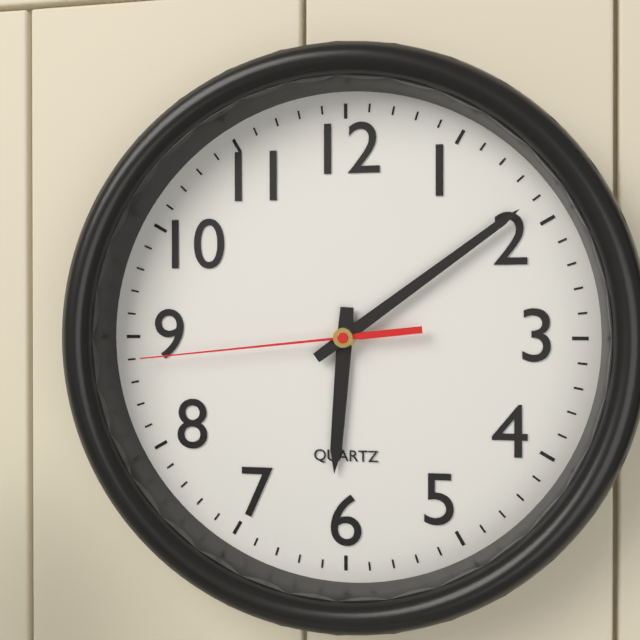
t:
6:09:44
